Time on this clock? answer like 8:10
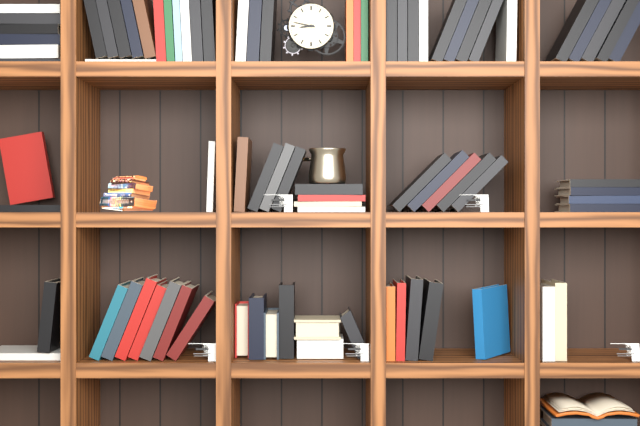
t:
8:47
